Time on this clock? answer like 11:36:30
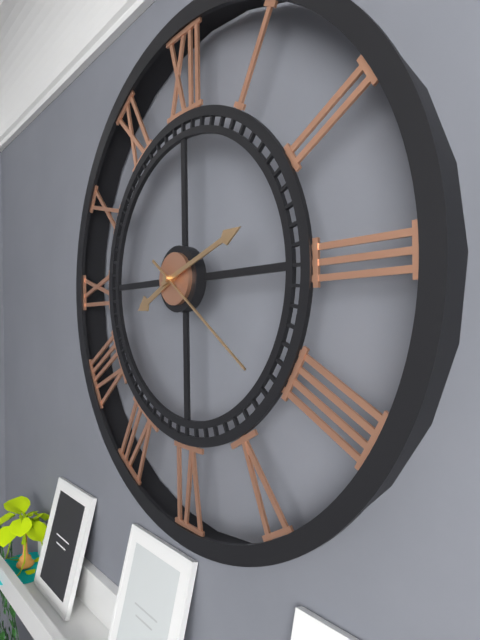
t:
8:12:21
